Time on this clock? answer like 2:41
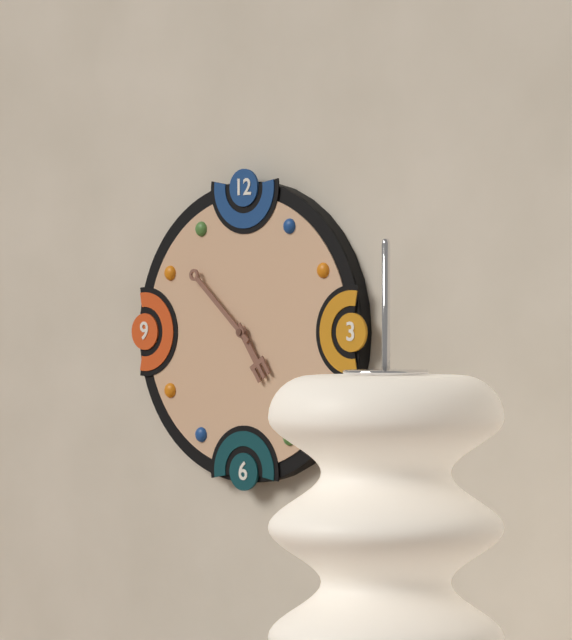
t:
4:52
